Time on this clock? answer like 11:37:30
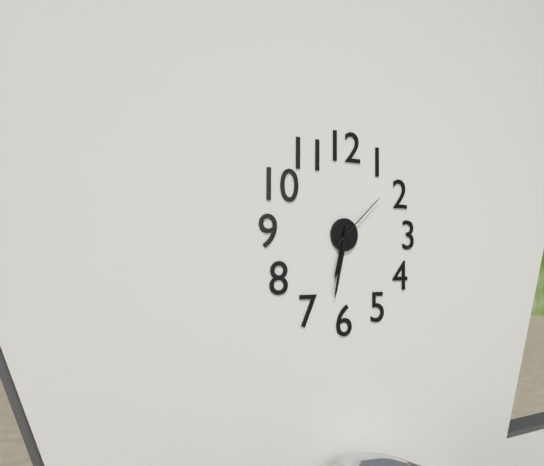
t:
6:32:08
